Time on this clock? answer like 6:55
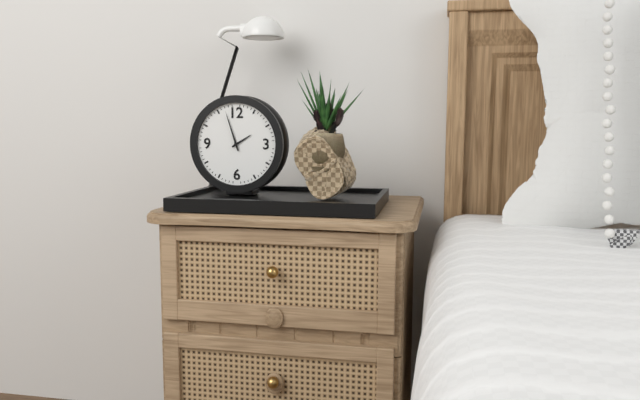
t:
1:57
